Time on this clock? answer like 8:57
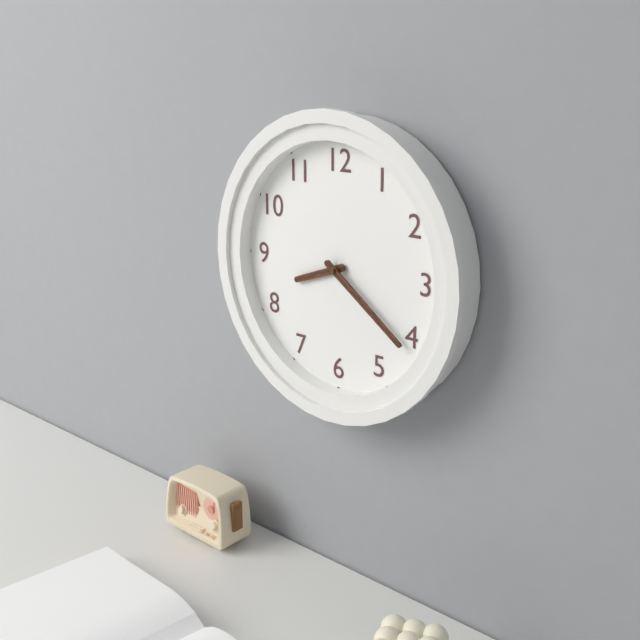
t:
8:21
